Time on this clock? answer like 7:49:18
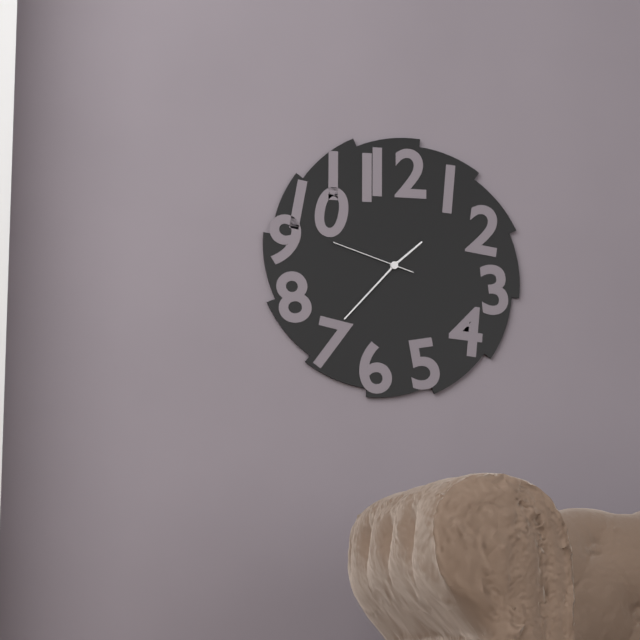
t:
1:37:48
